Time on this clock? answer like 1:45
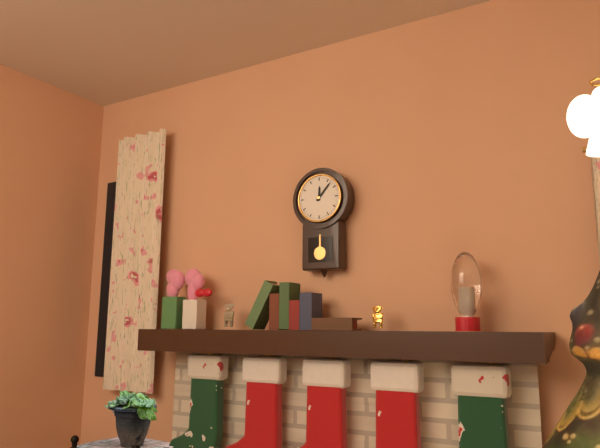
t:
12:07
